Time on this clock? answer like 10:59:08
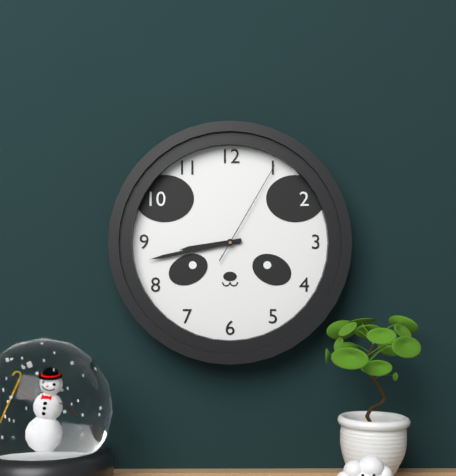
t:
8:43:05
